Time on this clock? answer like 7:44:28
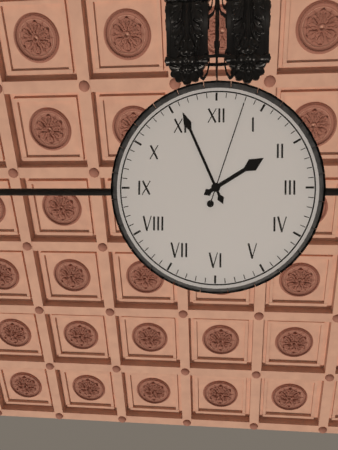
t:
1:56:03
